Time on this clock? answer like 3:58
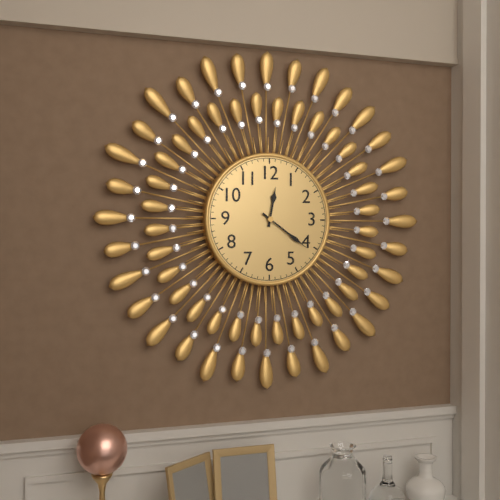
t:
12:21
